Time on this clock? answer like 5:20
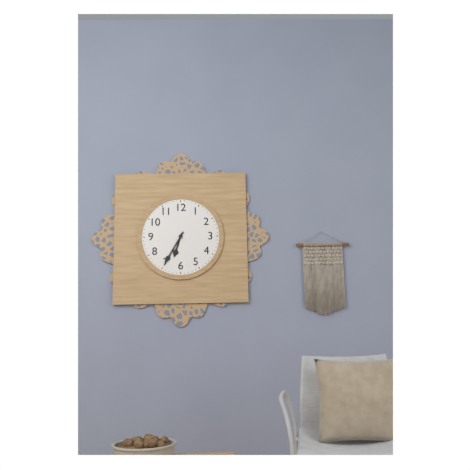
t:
6:35
